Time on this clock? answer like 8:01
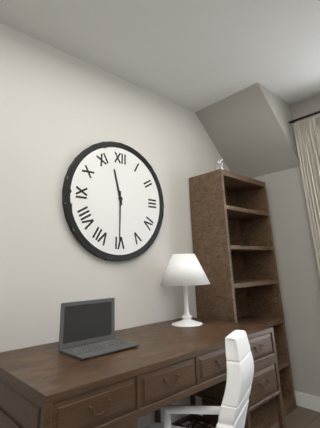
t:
11:30
